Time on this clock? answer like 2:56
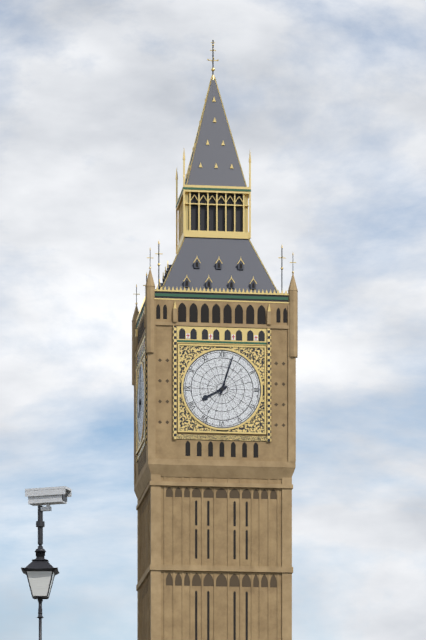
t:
8:03
